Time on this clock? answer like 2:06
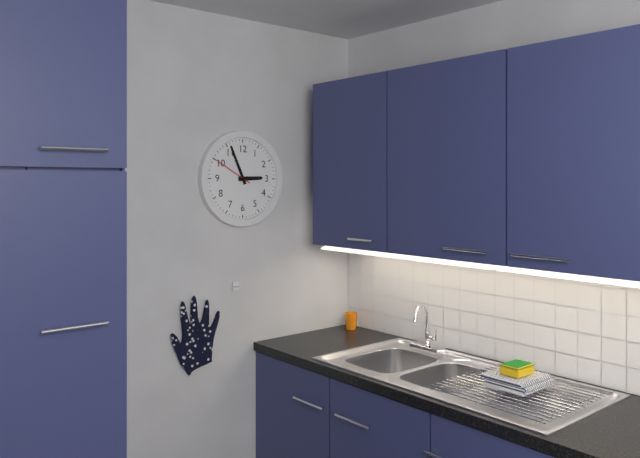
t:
2:56
